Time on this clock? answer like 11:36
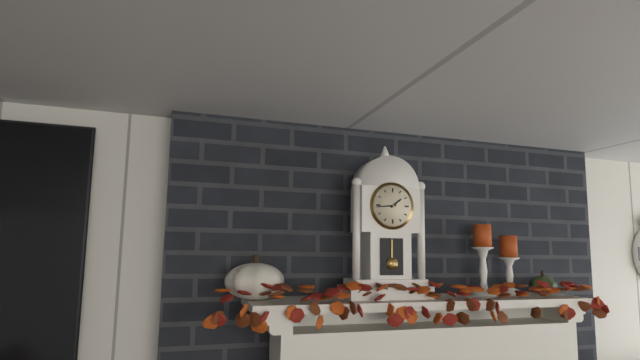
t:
1:44
